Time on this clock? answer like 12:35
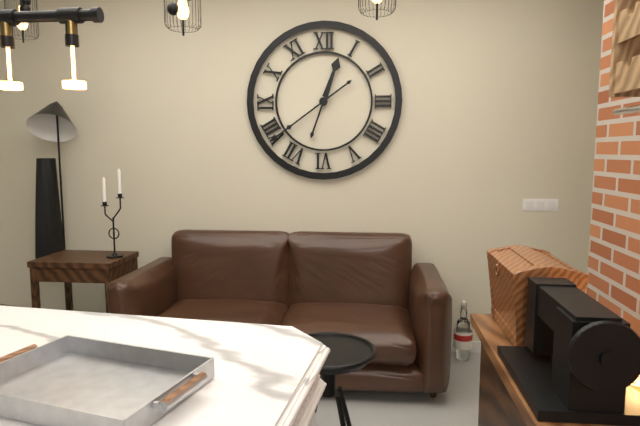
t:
12:39
